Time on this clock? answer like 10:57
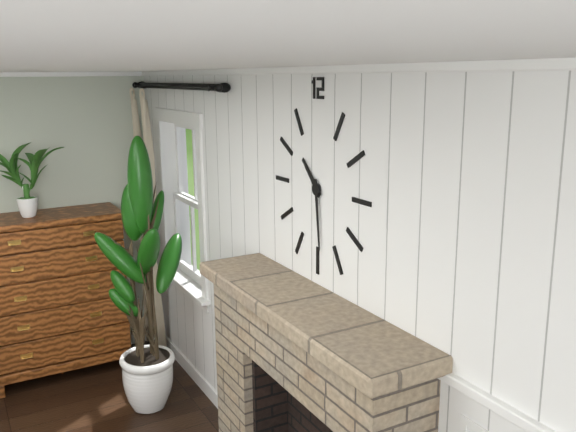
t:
10:29
